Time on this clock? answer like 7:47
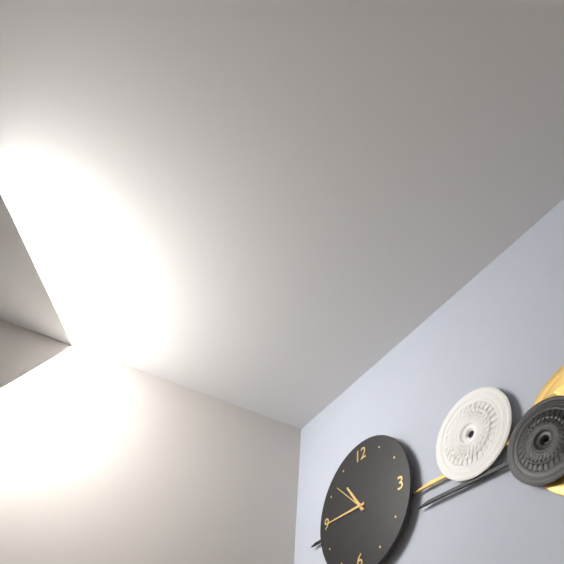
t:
10:45
